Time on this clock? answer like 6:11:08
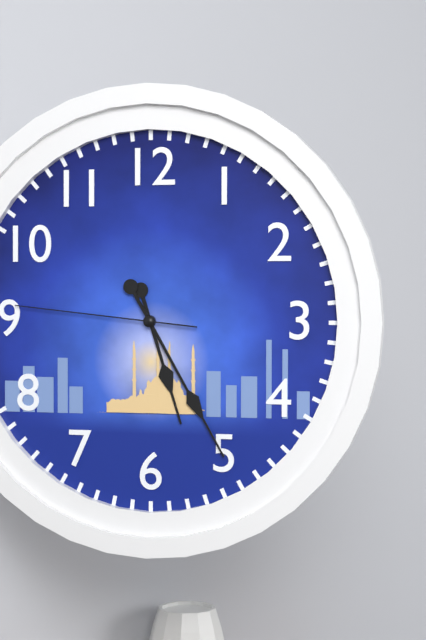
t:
5:25:46
